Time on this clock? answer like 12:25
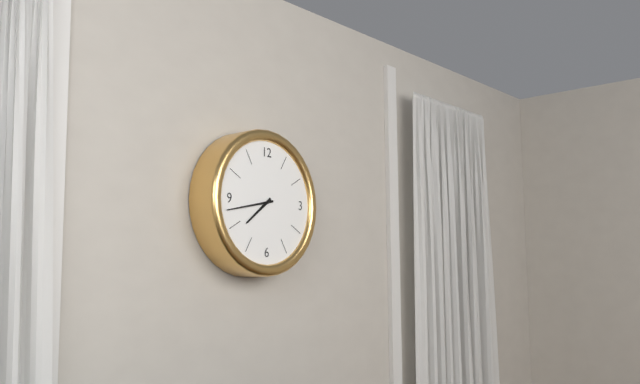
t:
7:43
